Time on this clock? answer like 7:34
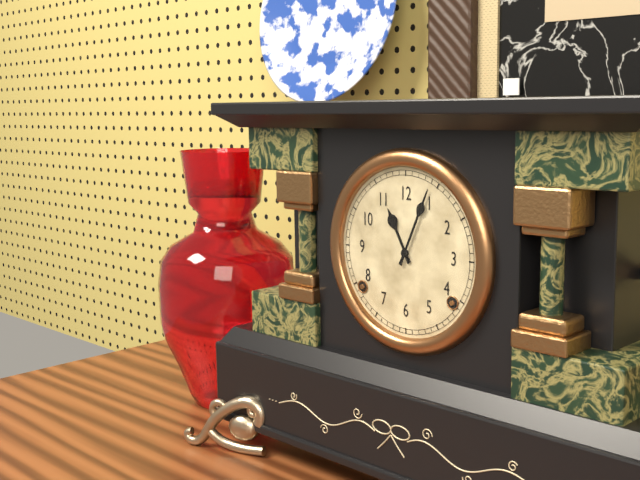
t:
11:04
